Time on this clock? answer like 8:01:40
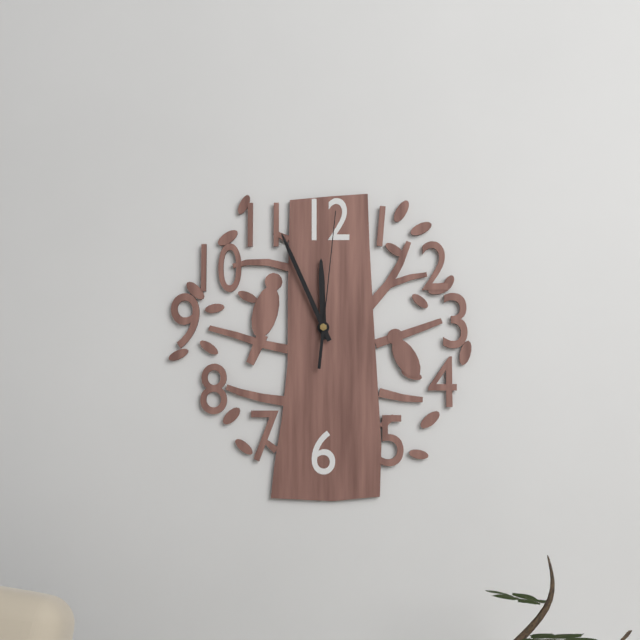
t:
11:56:01
